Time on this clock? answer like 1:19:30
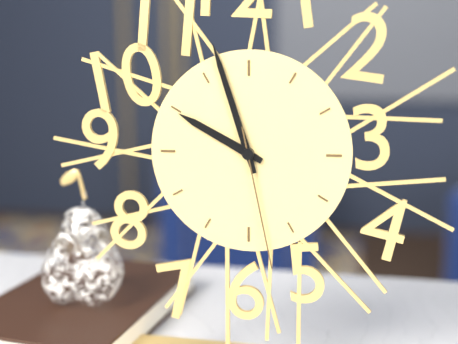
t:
9:57:28
